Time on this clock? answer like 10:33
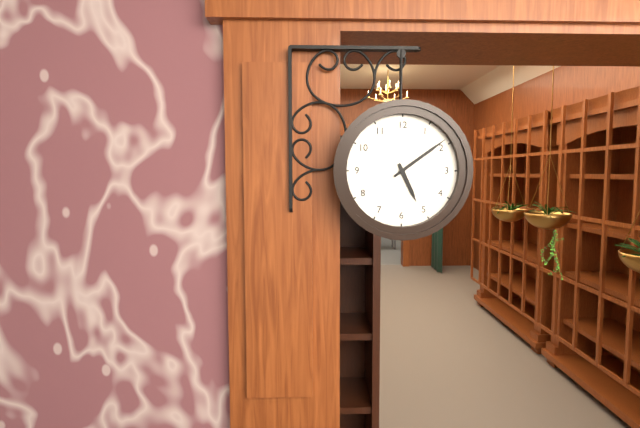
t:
5:09
